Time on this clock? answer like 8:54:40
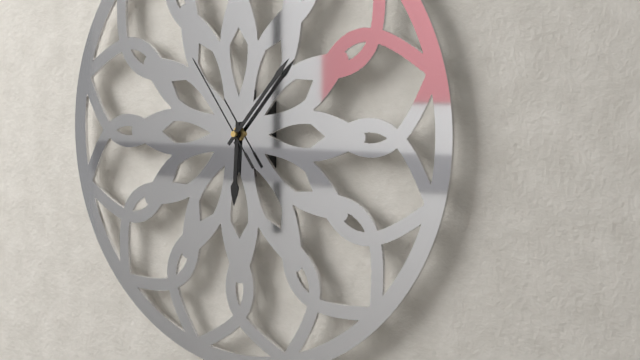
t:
6:07:54
